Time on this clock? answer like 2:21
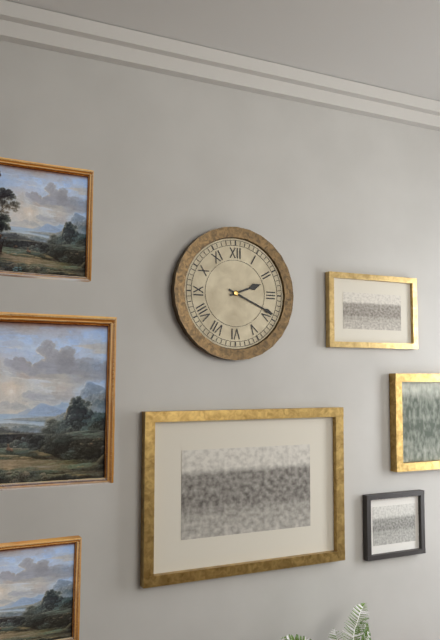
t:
2:19
